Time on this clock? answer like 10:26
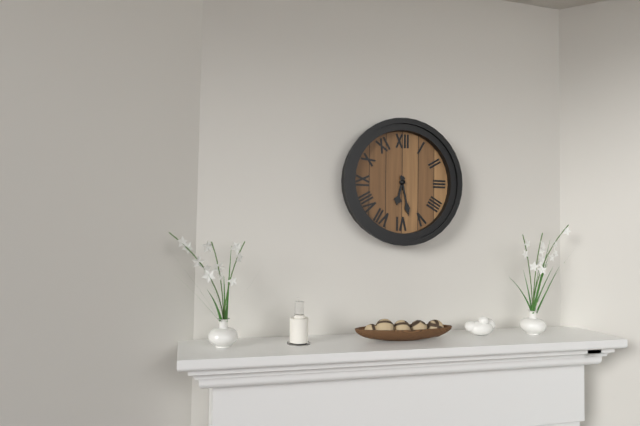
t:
6:28
